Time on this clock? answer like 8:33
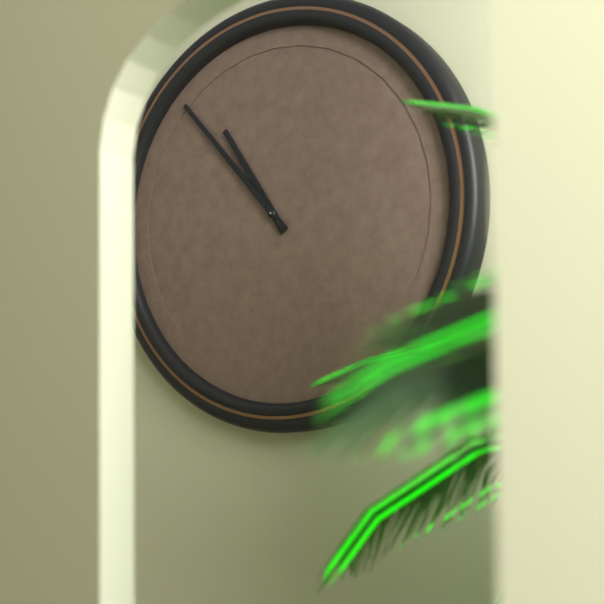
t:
10:53
